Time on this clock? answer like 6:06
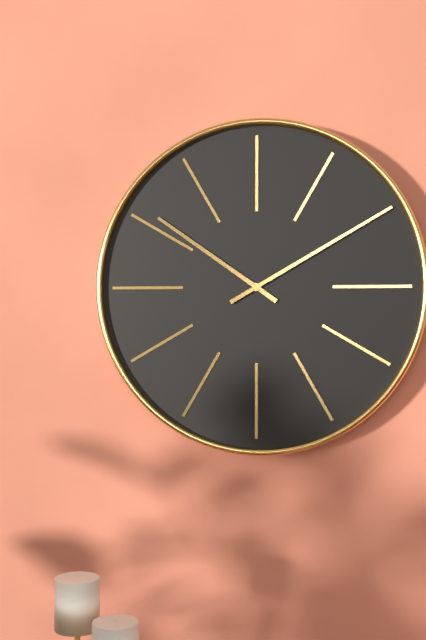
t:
10:10
